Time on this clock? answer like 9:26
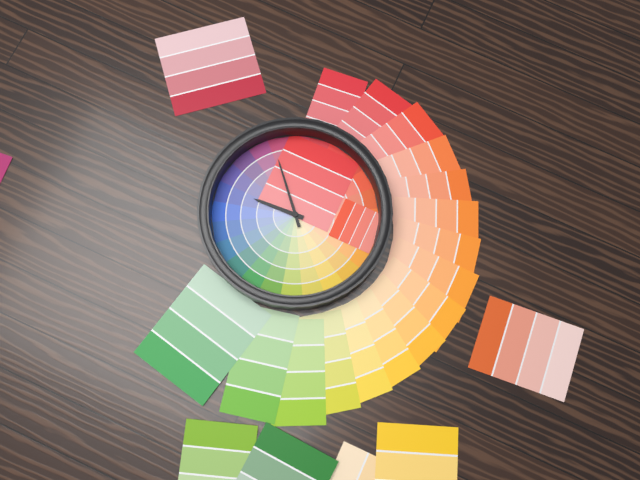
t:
8:53
